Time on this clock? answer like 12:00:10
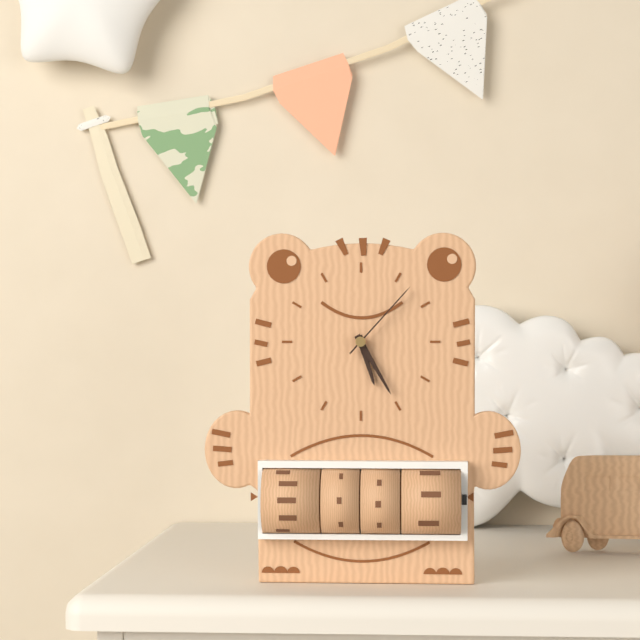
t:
5:25:07
